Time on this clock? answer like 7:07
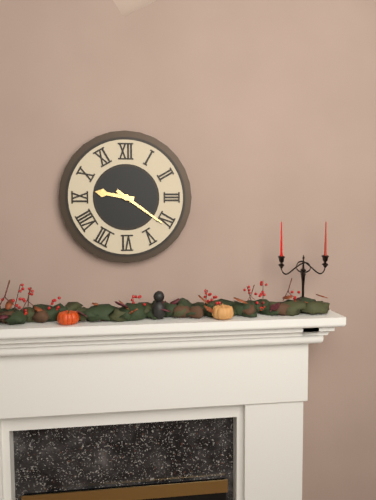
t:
9:21
